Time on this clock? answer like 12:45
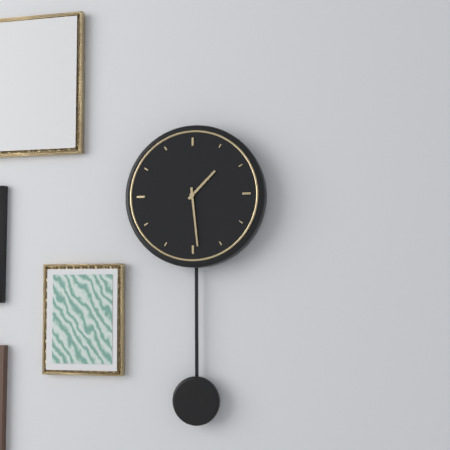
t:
1:29
